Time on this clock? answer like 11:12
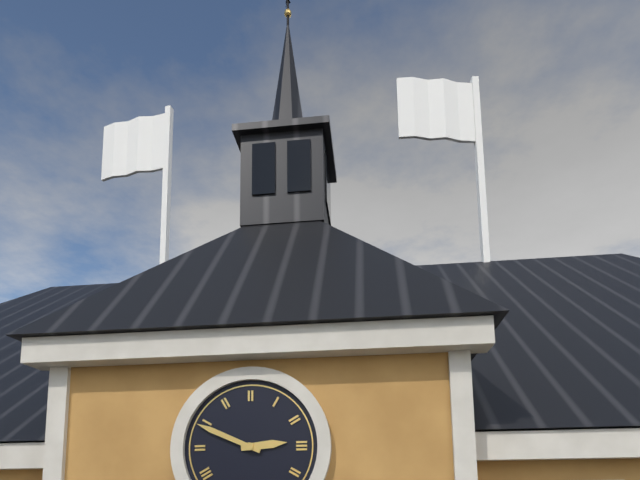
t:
2:49
